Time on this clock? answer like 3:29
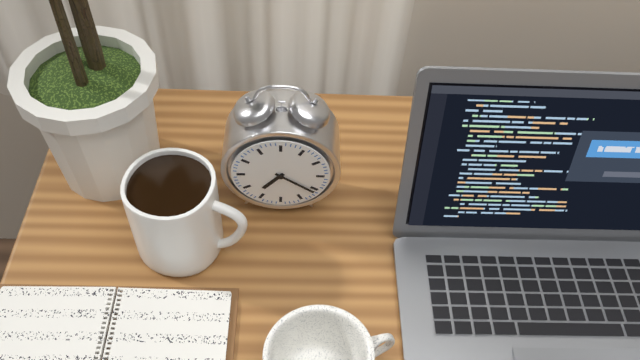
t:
7:21
